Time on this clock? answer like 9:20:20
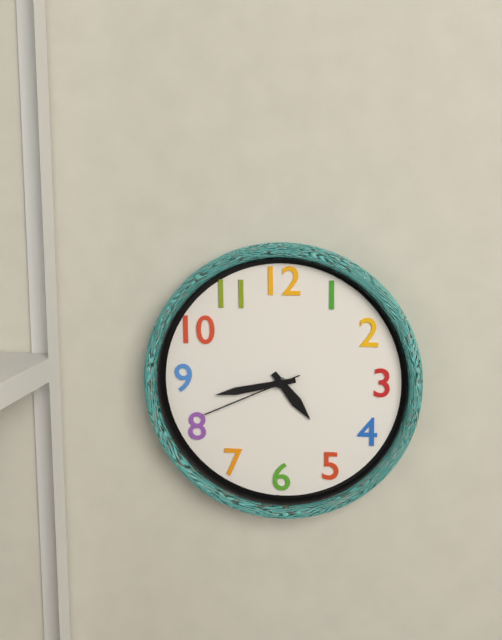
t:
4:43:41
